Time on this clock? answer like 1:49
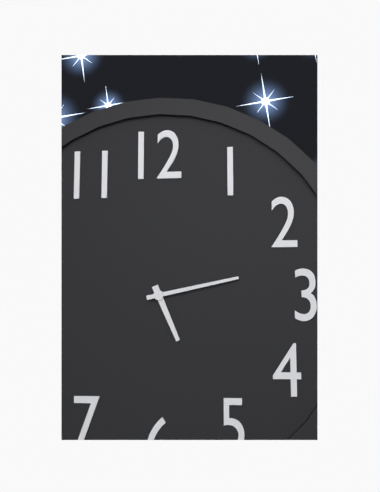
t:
5:13
